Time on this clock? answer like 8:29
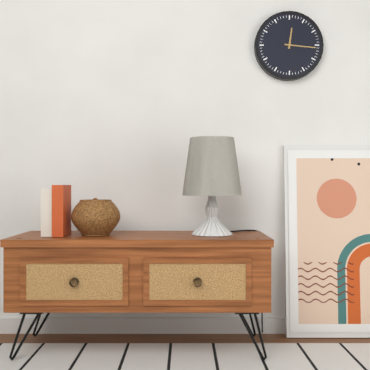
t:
12:16
